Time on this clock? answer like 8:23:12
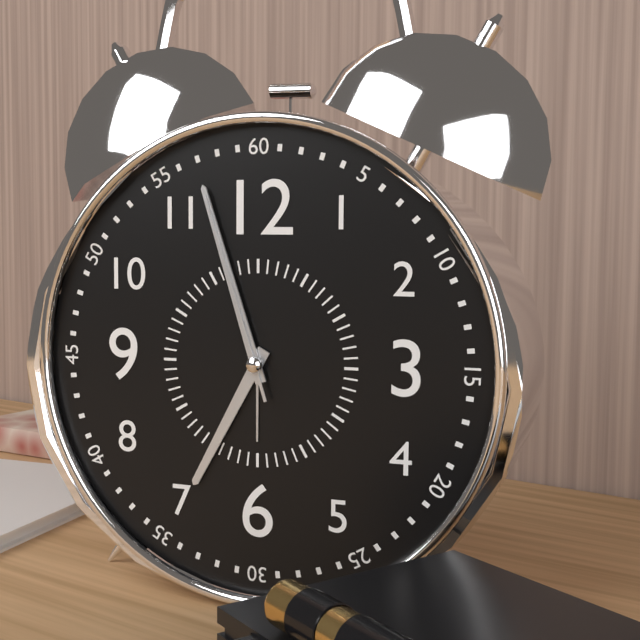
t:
6:57:57
